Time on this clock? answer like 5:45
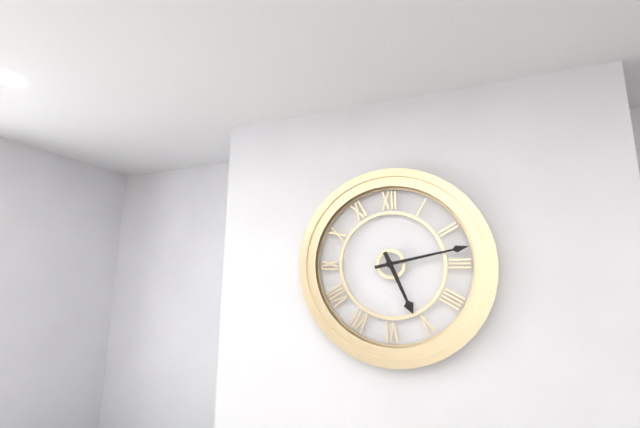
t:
5:13
